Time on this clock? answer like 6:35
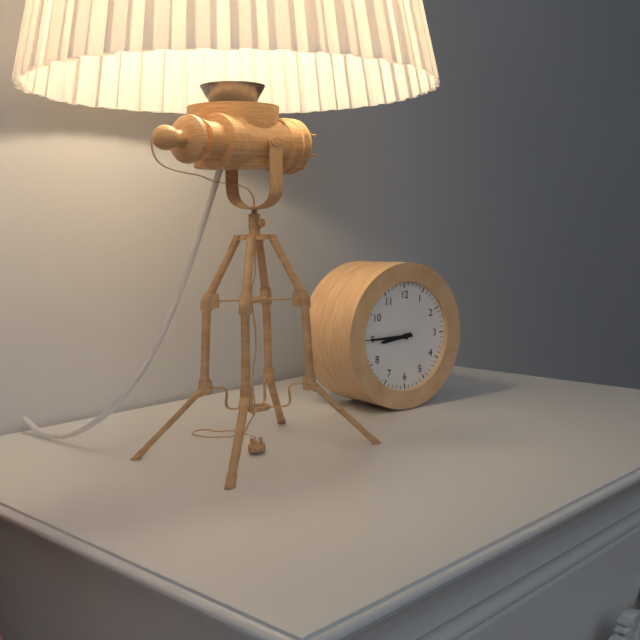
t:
8:45
